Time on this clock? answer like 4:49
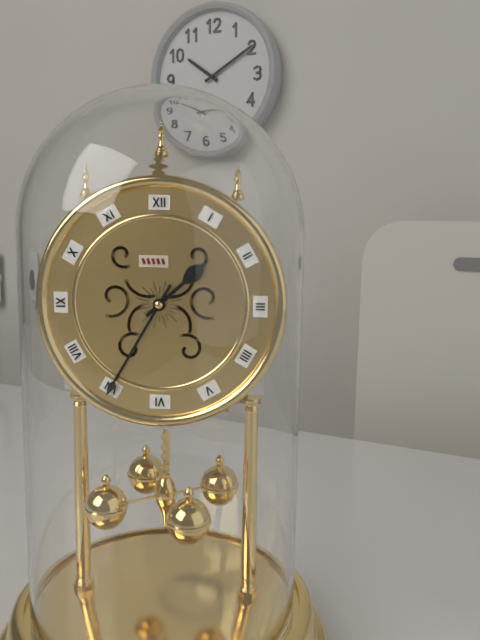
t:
1:35
